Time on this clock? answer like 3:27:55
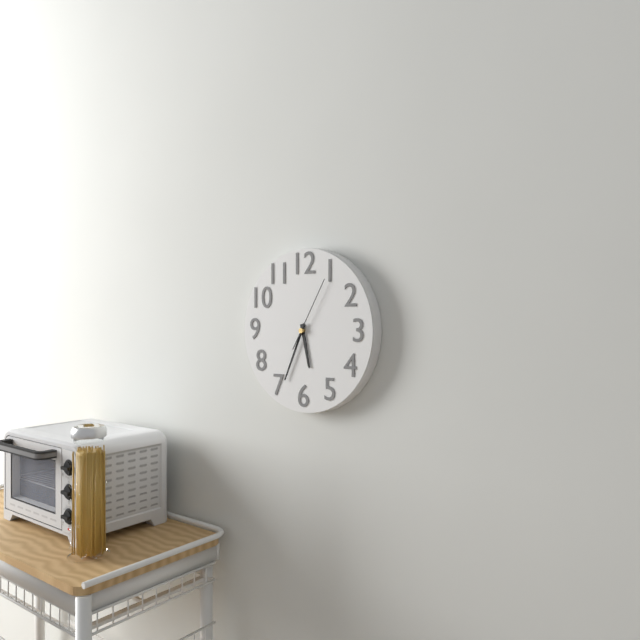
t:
5:34:05
